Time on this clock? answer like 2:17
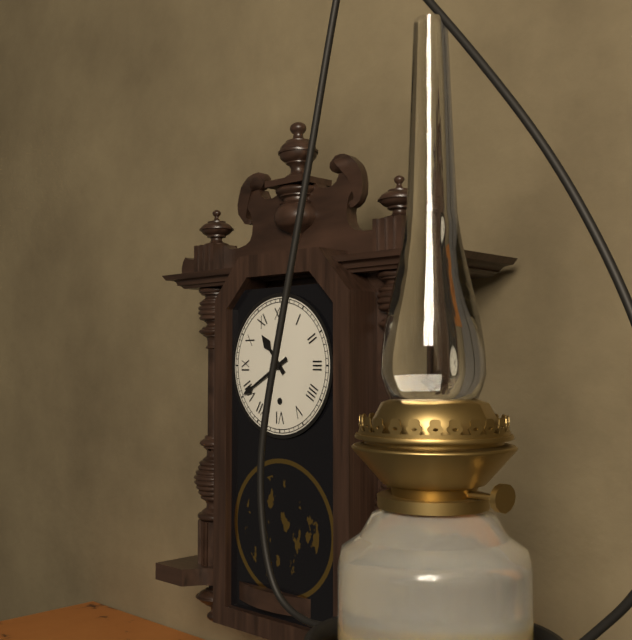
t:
10:40
